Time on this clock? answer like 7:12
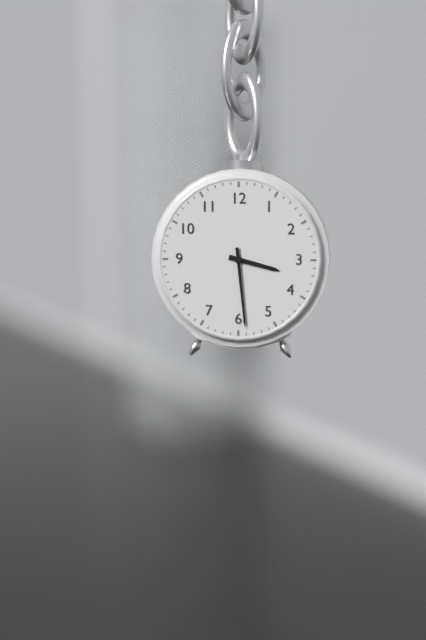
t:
3:29
